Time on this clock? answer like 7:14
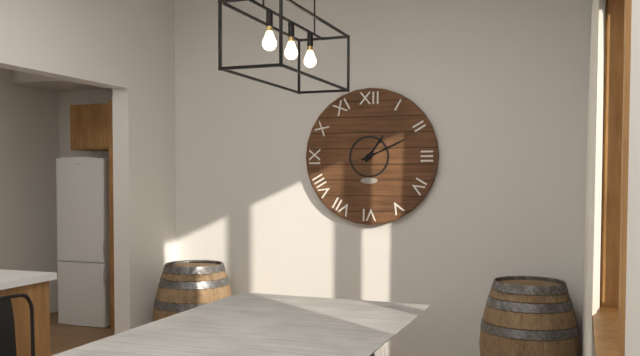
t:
1:11
